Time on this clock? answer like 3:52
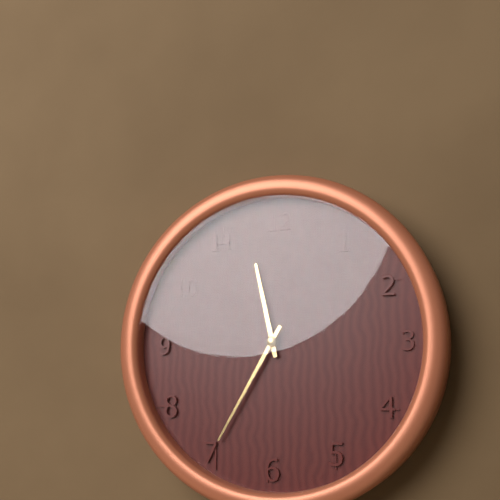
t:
11:35
